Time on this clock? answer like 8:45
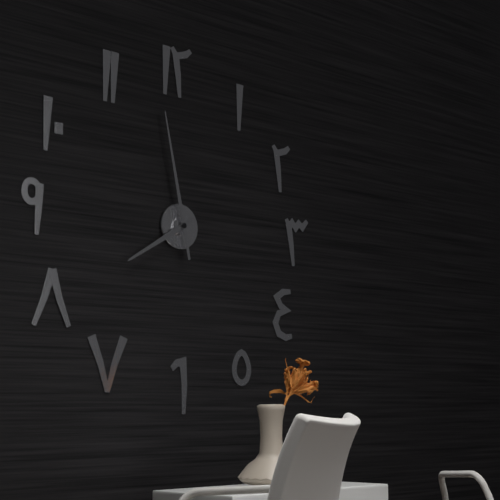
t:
7:58
